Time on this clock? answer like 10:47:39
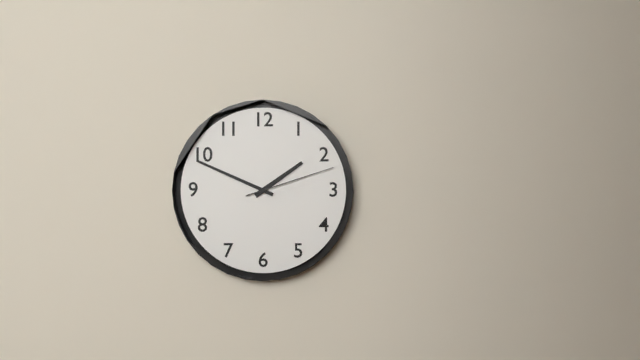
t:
1:49:12
